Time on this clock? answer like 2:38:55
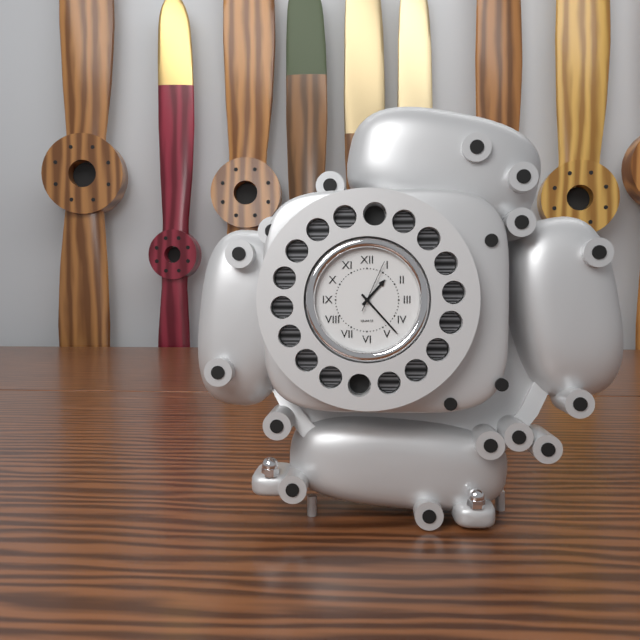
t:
1:23:04
